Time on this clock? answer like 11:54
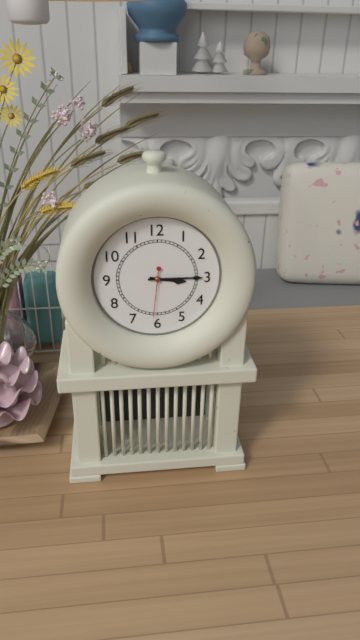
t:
3:15
